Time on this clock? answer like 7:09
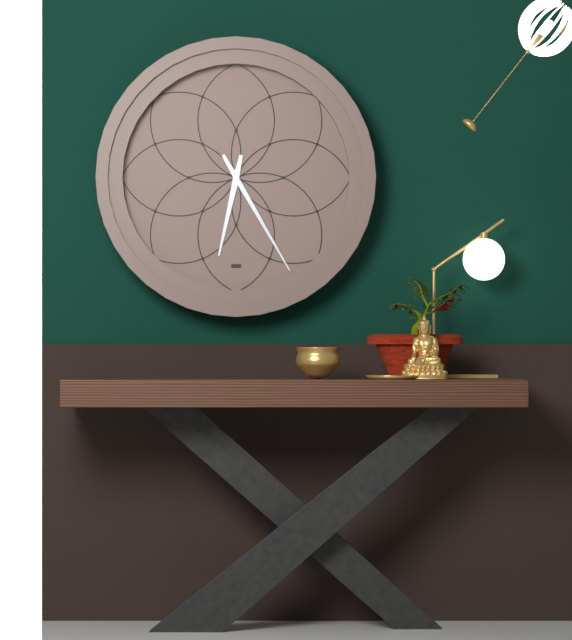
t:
6:25
